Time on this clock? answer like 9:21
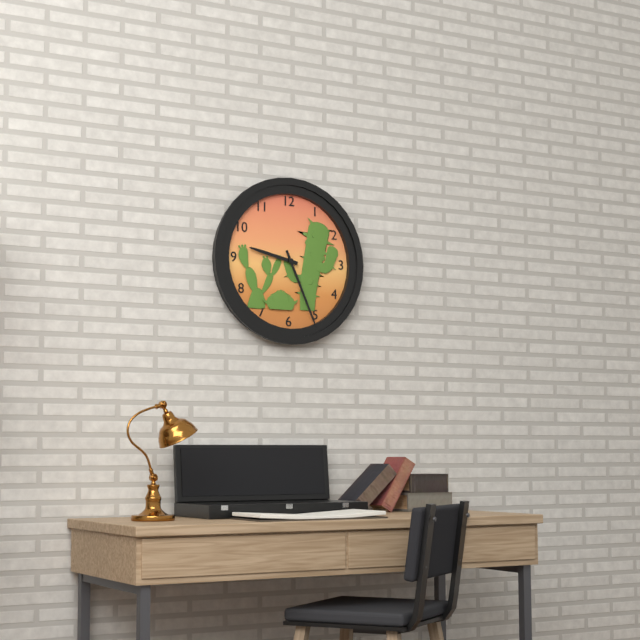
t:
9:26
